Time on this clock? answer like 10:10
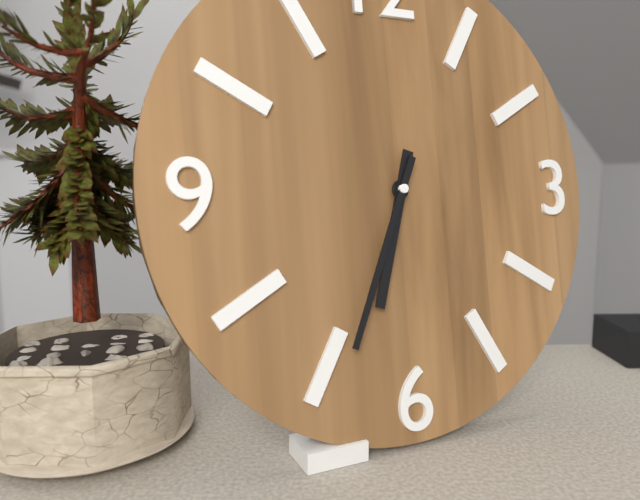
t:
6:34
